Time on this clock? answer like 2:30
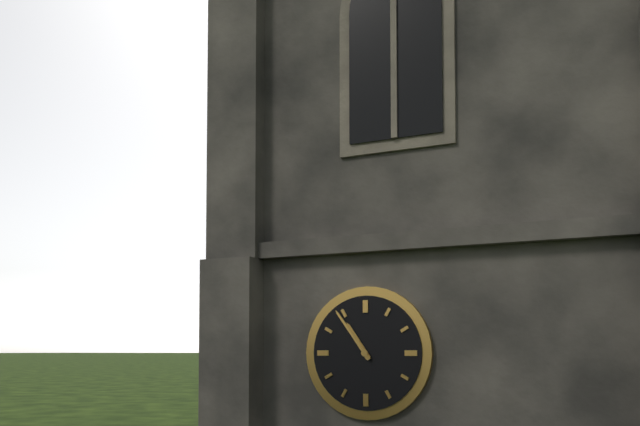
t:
10:54
